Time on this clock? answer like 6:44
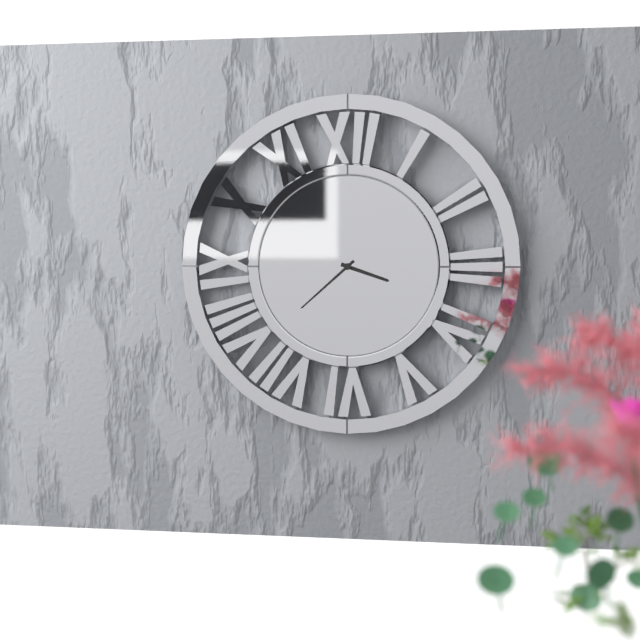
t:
3:38
